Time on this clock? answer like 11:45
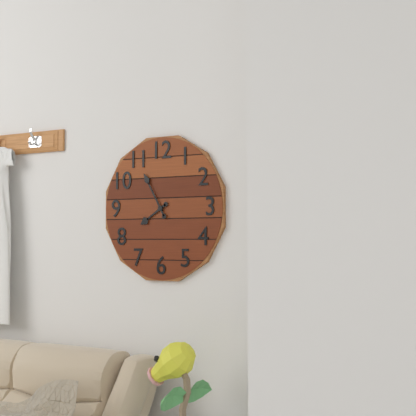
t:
7:55
